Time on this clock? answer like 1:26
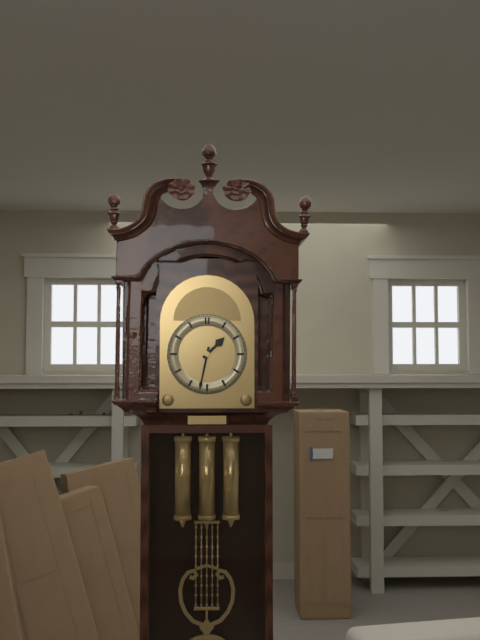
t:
1:32
